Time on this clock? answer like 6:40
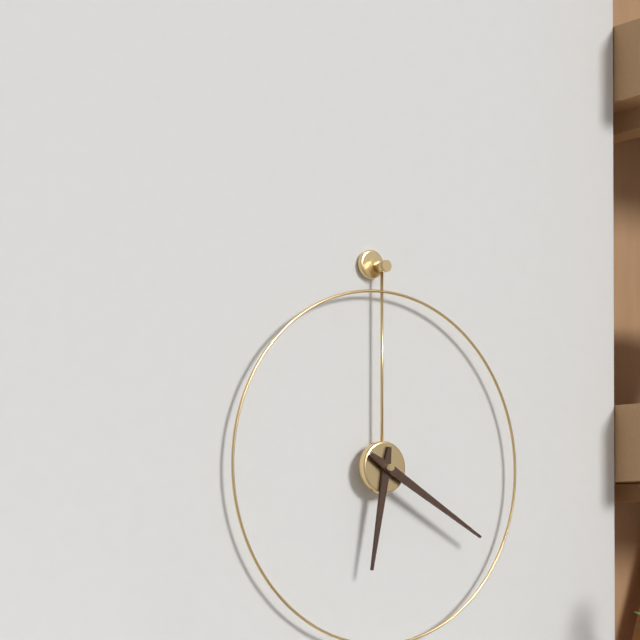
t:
6:20
